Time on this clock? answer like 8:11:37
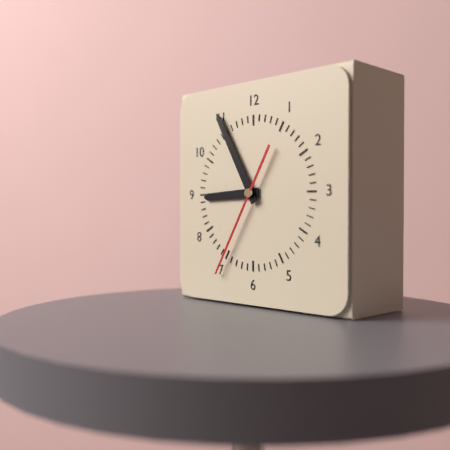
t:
8:55:35
